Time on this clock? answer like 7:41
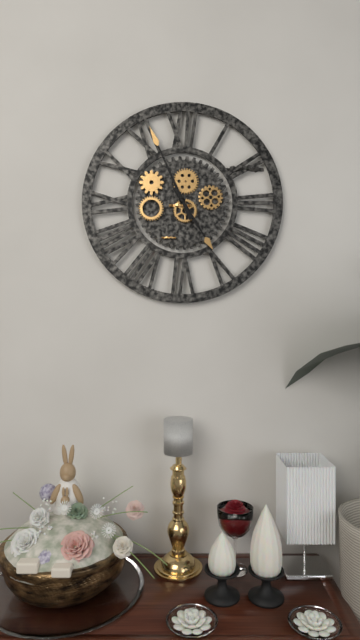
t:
4:56
